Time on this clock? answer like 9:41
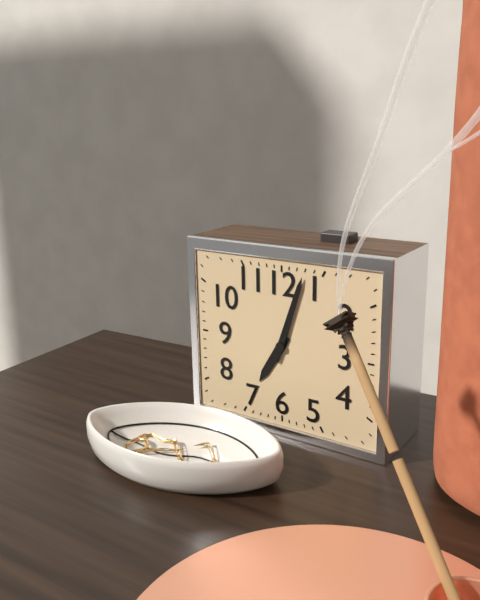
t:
7:03
